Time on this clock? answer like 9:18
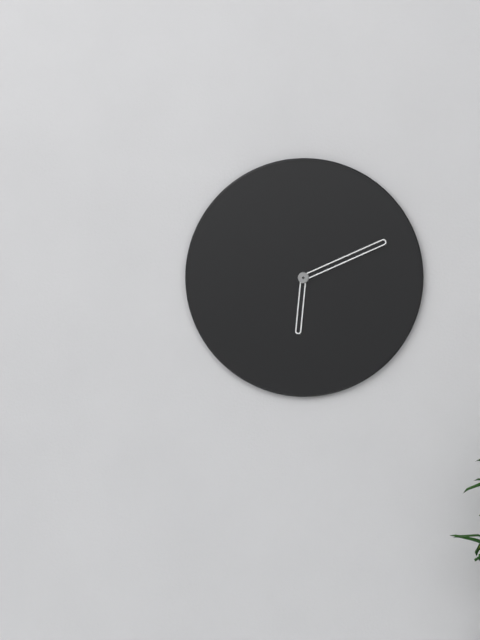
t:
6:11
